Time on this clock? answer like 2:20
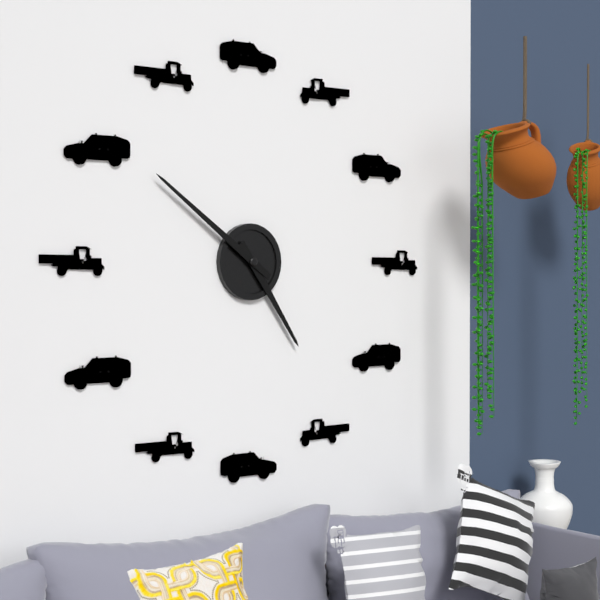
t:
4:51
